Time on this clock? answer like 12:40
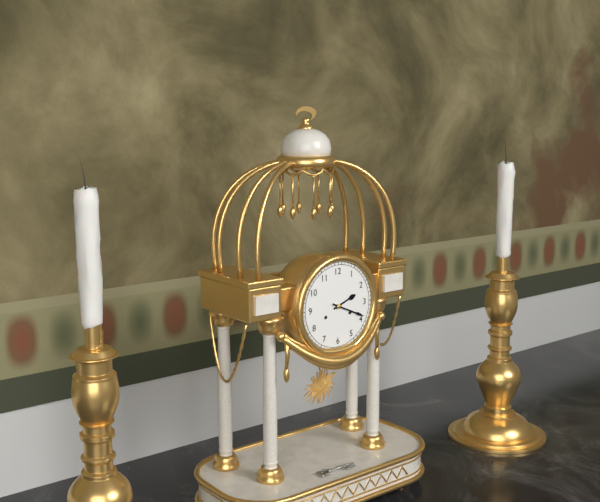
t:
2:19
